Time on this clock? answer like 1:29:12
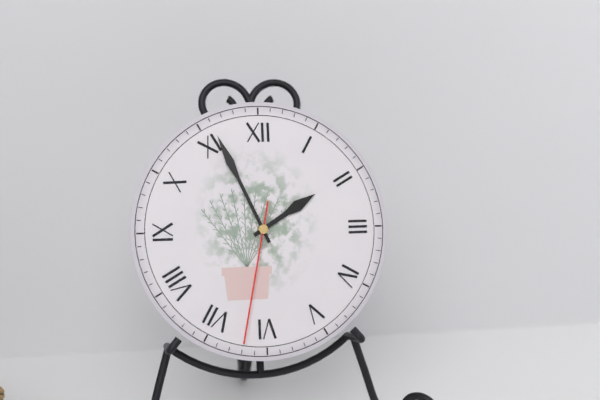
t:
1:56:32
